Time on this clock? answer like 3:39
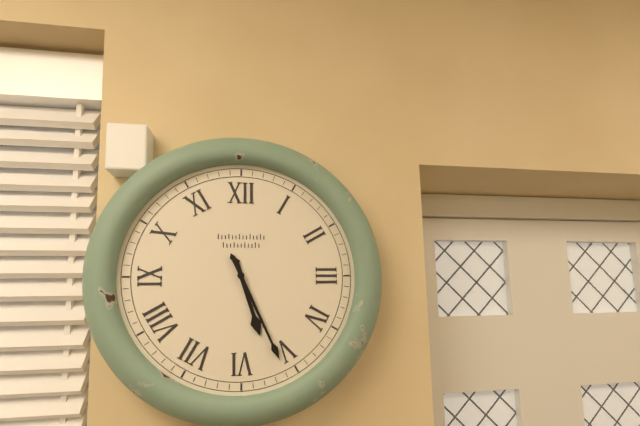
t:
5:26
